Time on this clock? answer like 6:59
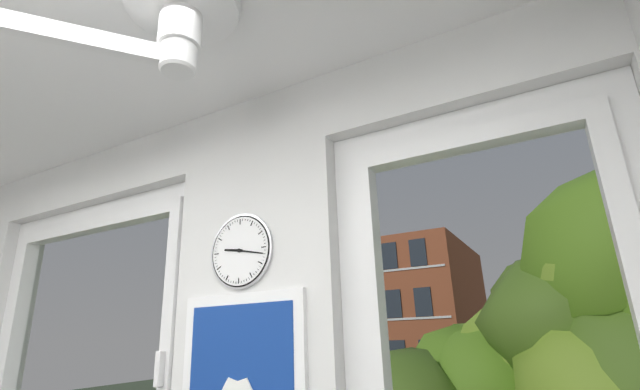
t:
9:17
